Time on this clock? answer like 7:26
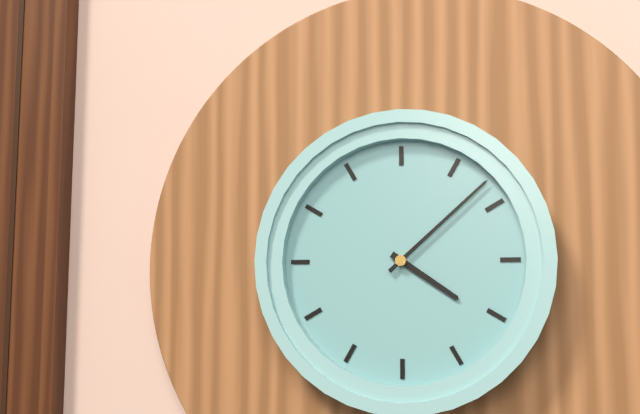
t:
4:08
